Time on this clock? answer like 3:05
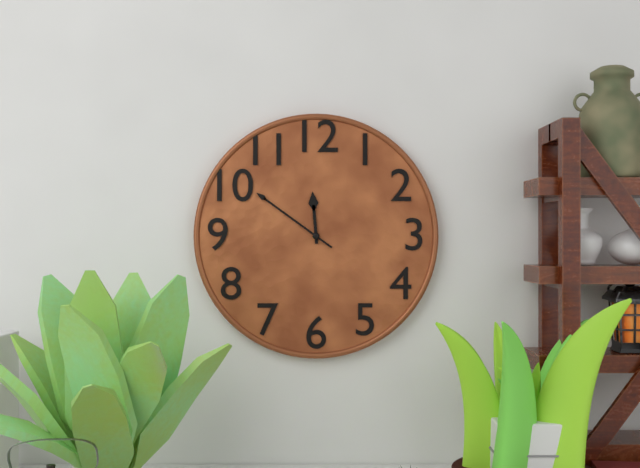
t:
11:51
